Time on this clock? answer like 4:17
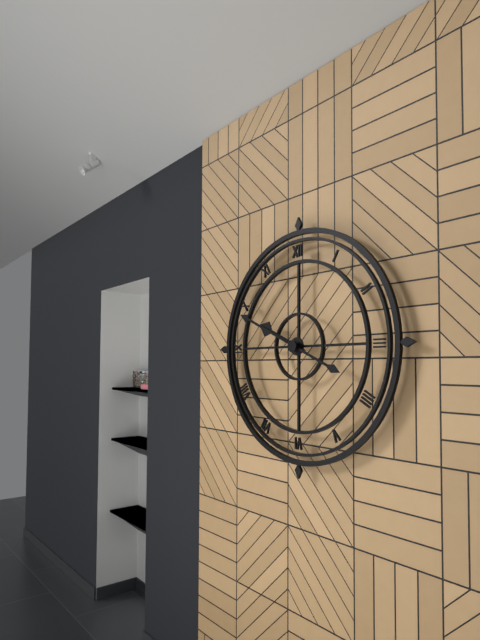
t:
9:49
